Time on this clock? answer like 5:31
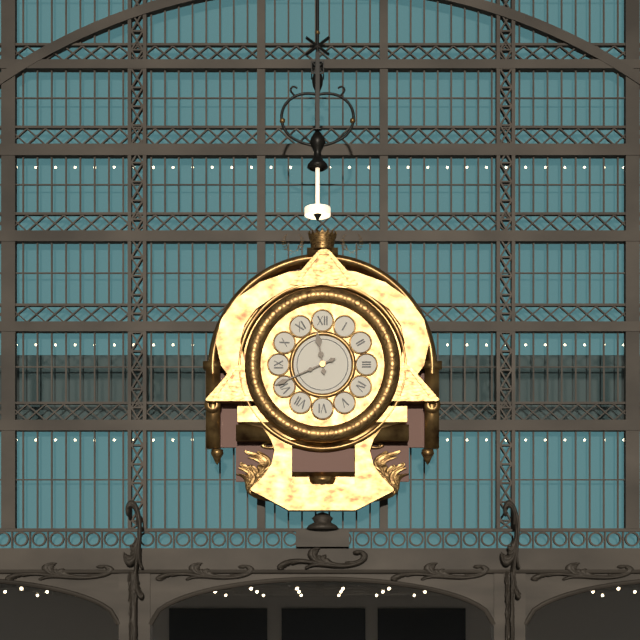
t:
11:41
